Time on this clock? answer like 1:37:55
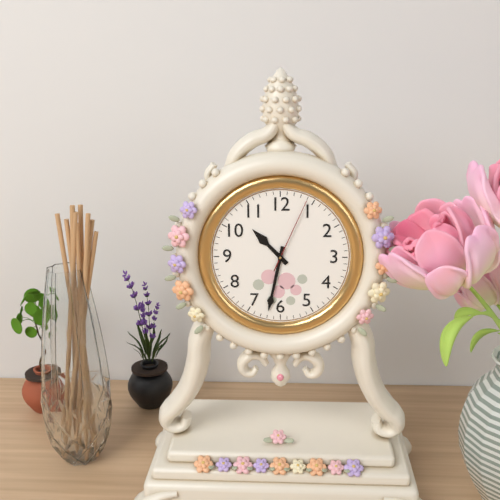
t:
10:32:04
